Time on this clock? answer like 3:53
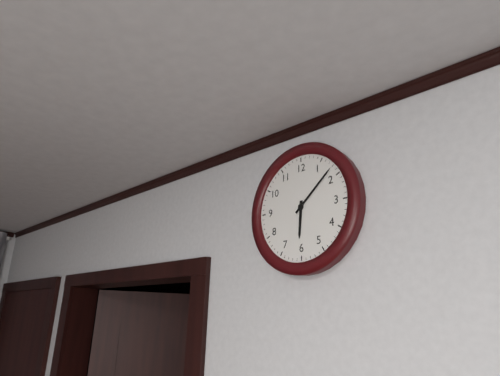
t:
6:08
